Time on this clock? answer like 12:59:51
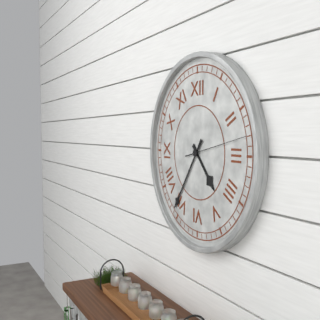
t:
4:36:13
